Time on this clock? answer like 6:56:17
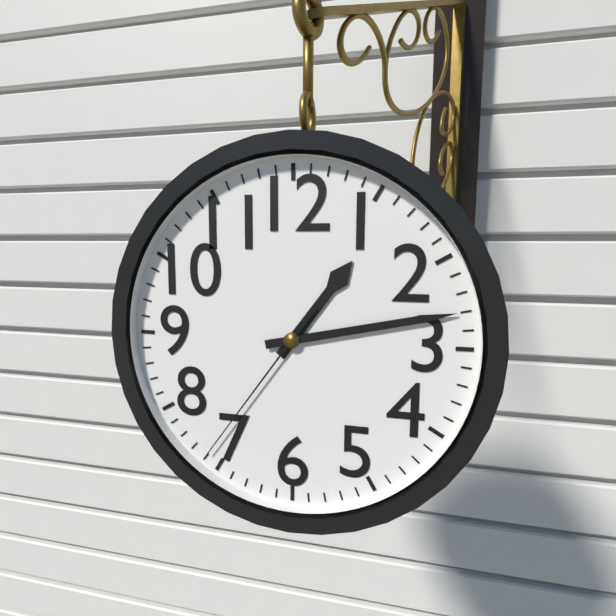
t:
1:13:36
